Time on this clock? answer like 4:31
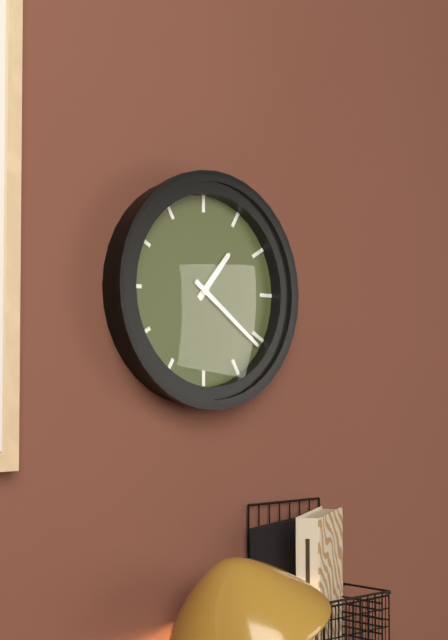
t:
1:21
